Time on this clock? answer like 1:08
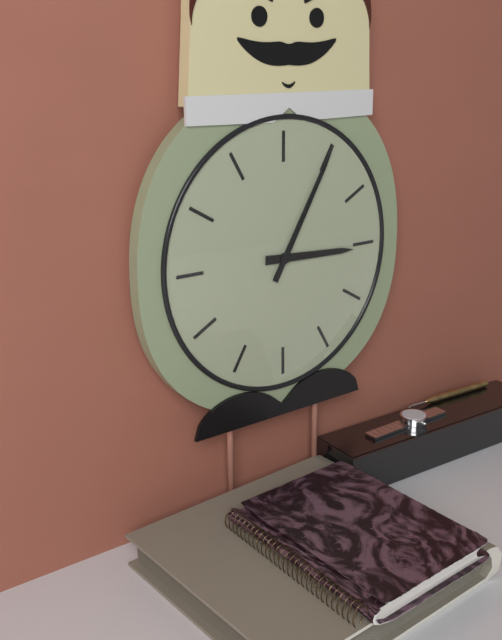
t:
3:05
